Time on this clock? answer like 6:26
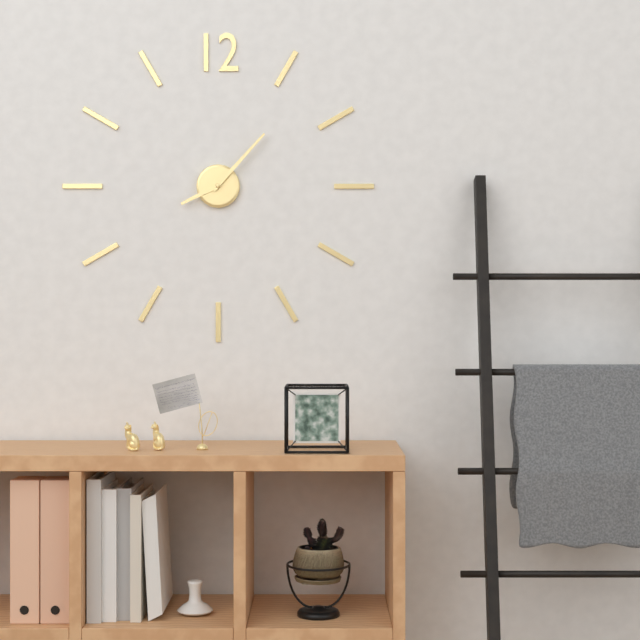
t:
8:07
